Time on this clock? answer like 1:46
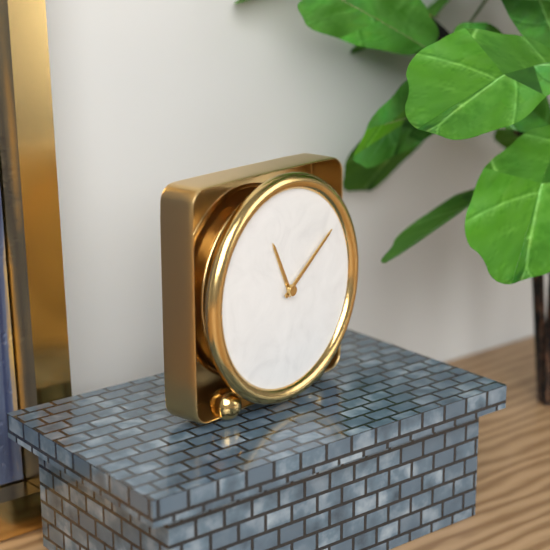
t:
11:09
